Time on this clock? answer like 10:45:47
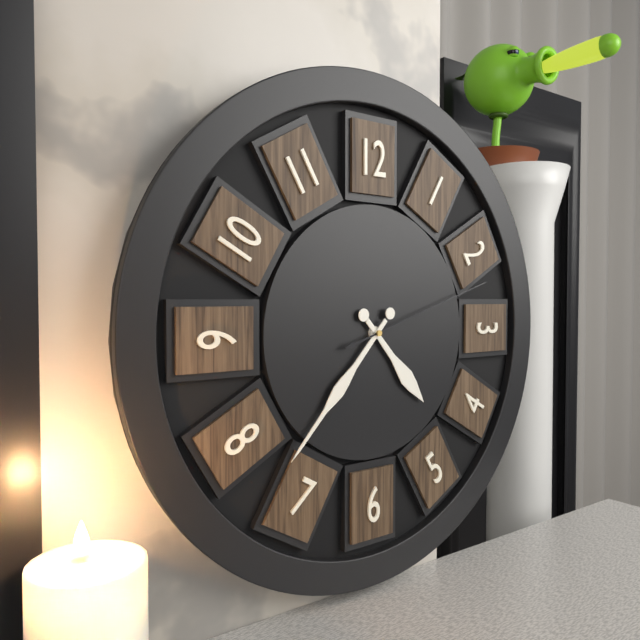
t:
4:37:12
